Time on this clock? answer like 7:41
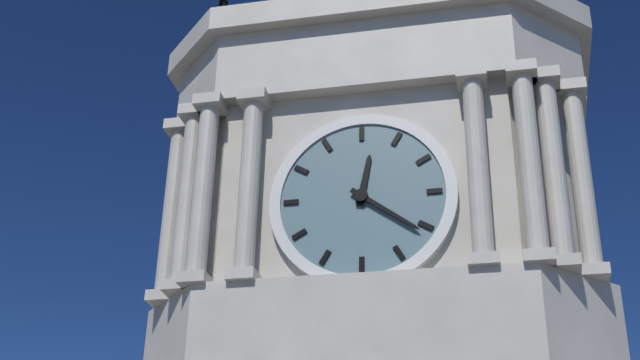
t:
12:21
